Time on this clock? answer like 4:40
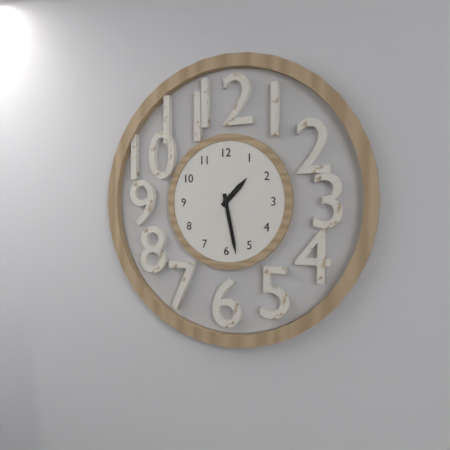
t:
1:28
